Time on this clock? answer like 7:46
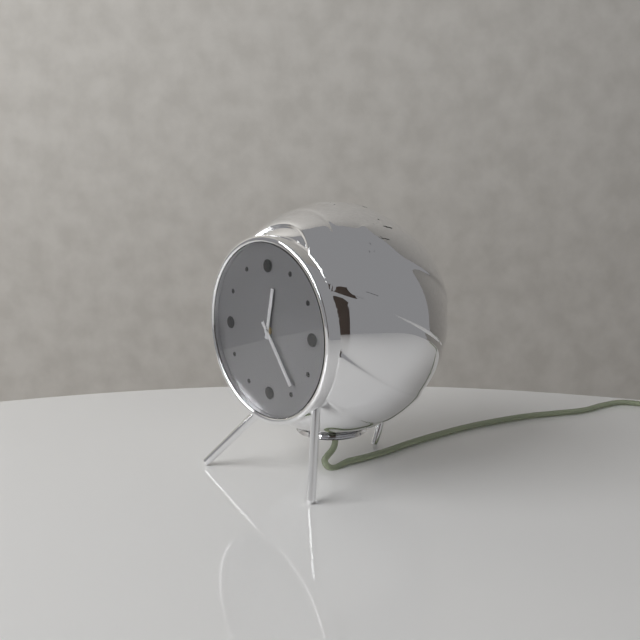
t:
12:24
